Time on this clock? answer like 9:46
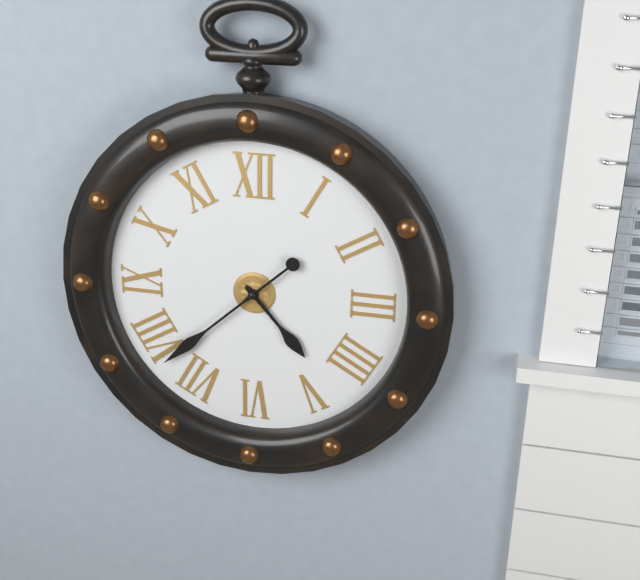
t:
4:38
